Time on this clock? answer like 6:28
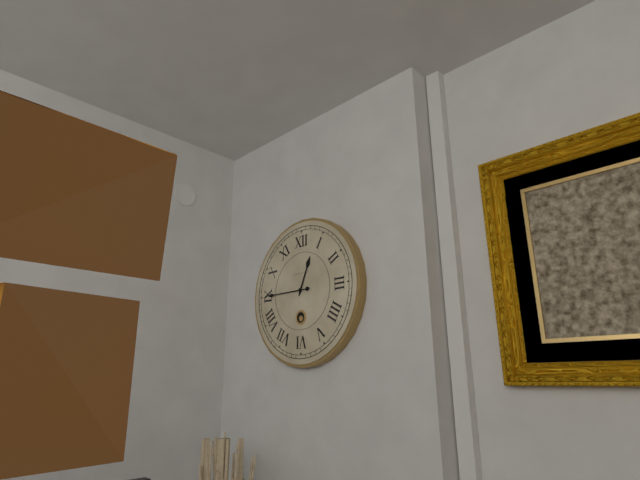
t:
12:45
